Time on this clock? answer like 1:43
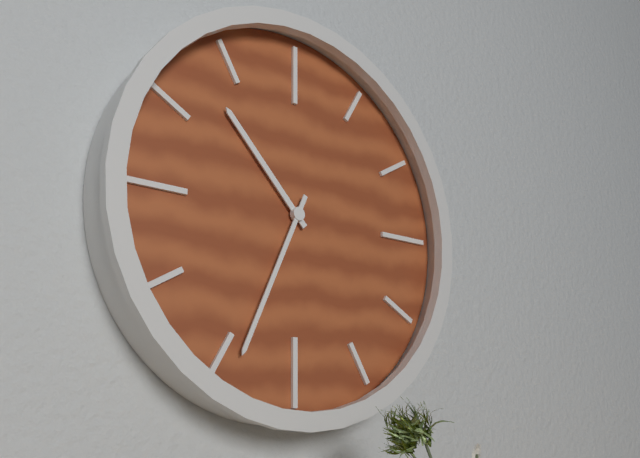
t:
10:34
